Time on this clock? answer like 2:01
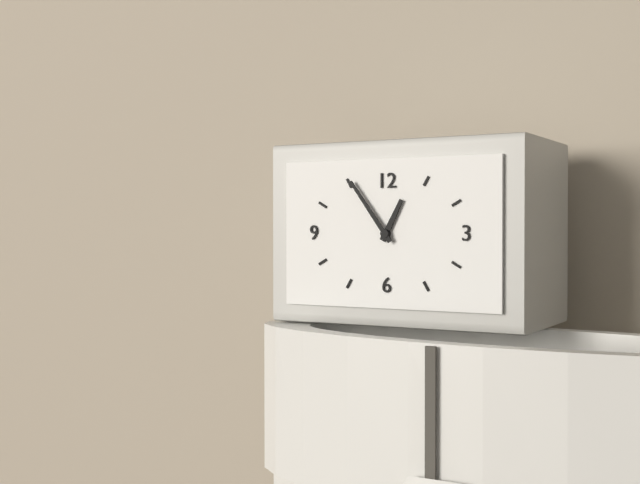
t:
12:54
